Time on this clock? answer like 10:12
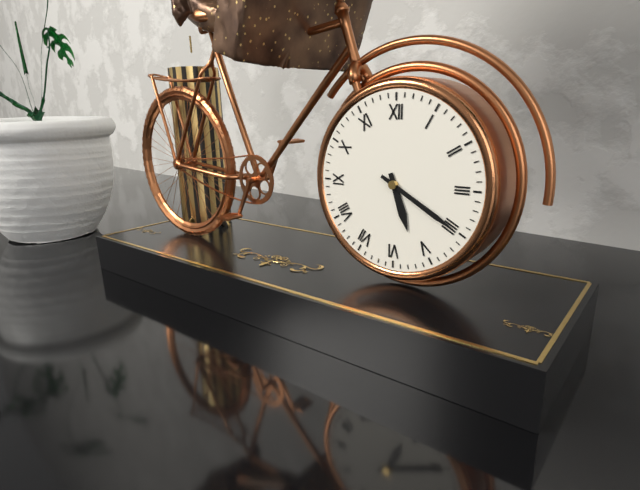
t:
5:20
